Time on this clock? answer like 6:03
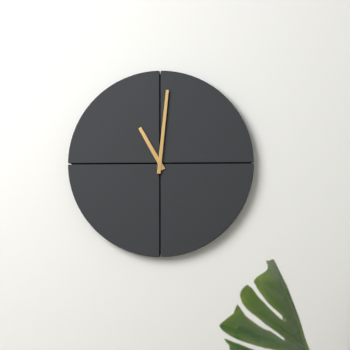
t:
11:01
